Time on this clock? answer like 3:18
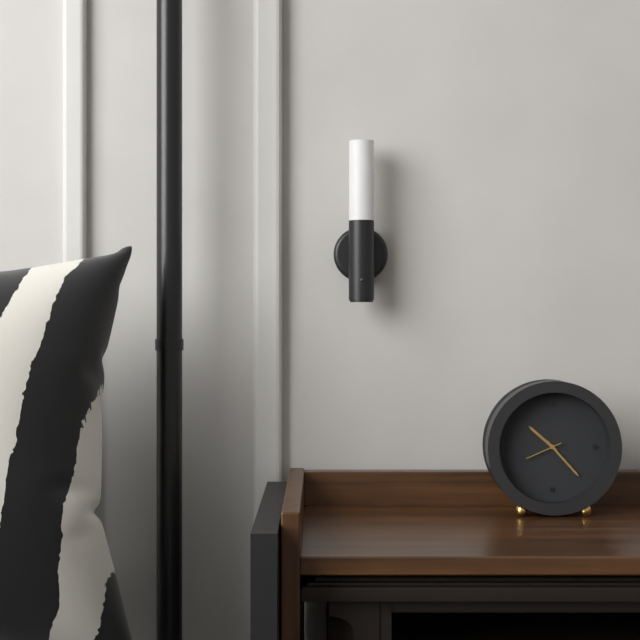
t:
10:23
